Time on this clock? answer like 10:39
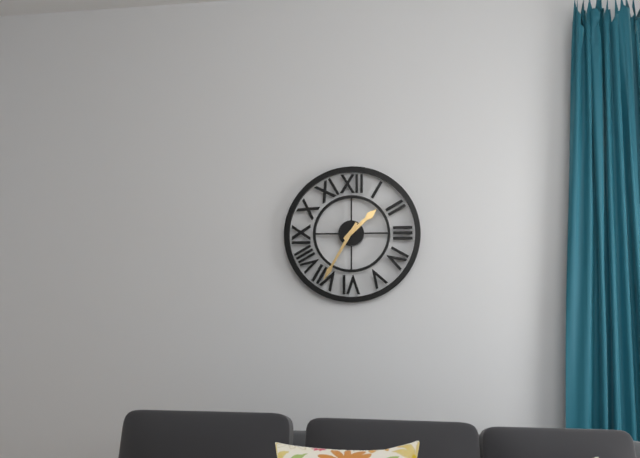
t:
1:35
